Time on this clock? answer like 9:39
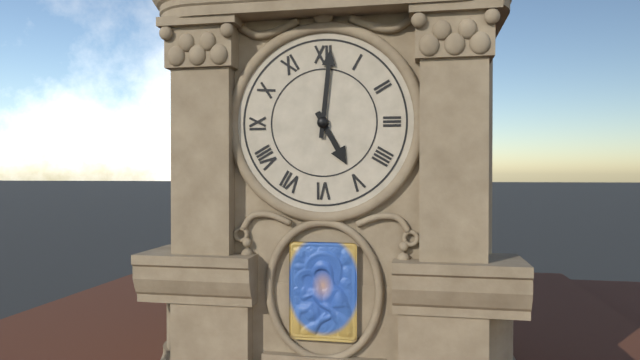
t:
5:01
